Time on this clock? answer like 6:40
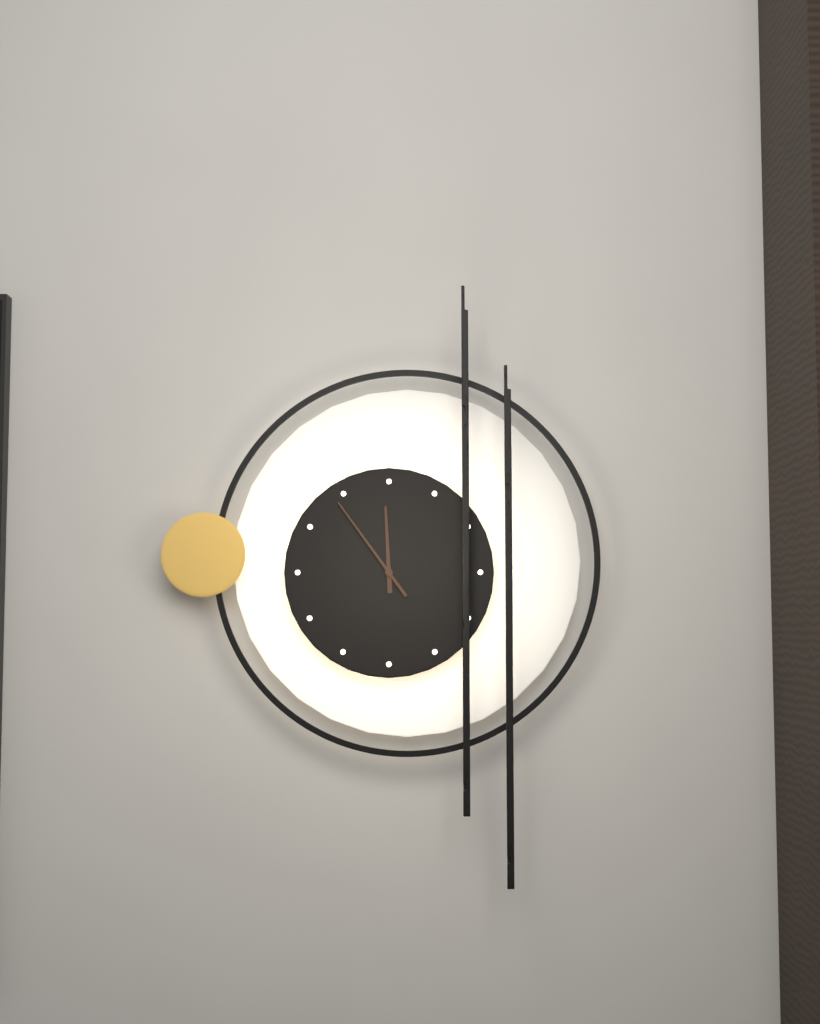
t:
11:54
